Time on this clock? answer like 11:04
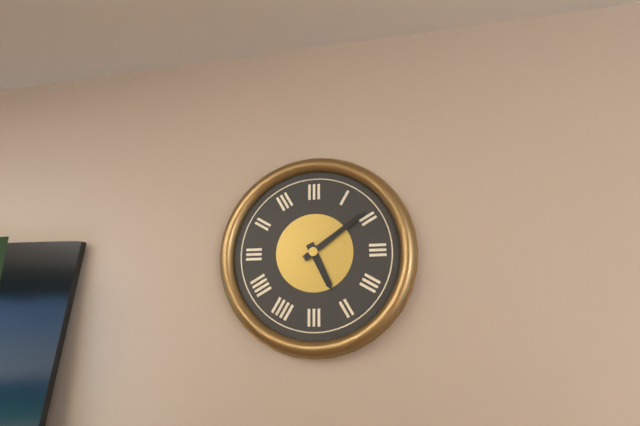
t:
5:09
